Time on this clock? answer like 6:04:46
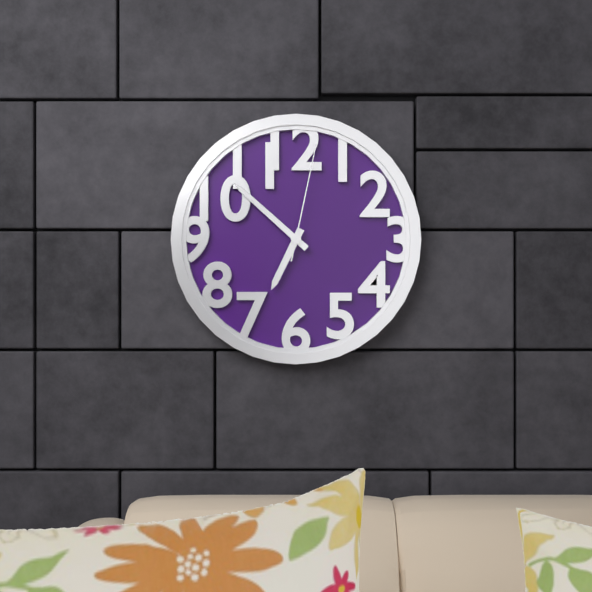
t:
6:52:02
